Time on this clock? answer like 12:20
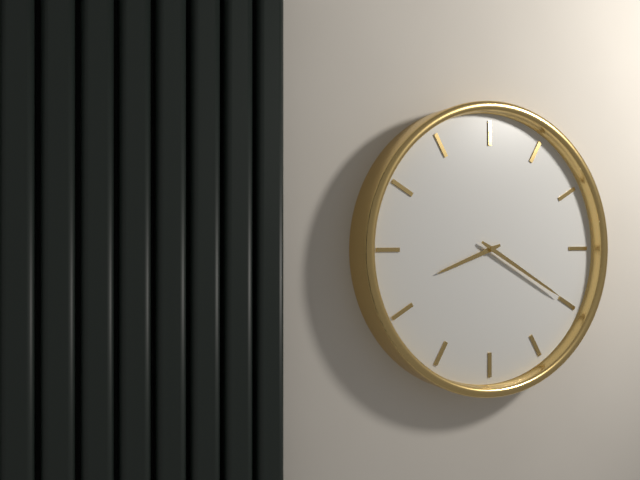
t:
8:20
